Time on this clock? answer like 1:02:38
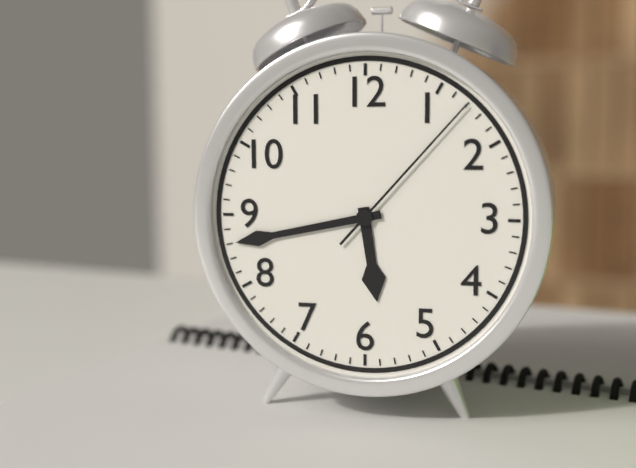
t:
5:43:07
